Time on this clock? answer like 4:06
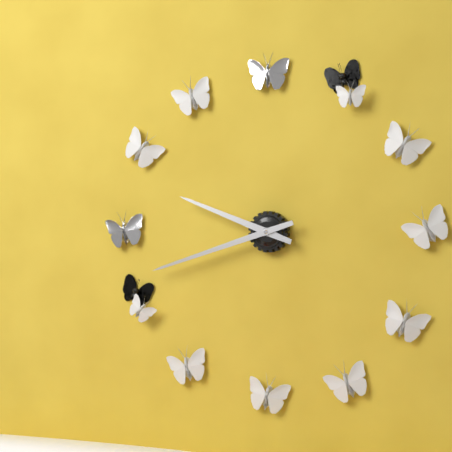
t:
9:42
